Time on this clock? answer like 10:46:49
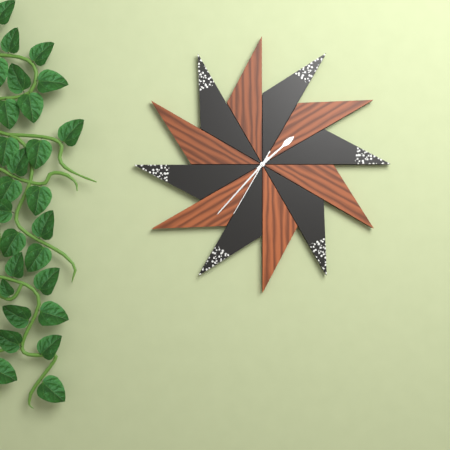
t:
1:37:35
